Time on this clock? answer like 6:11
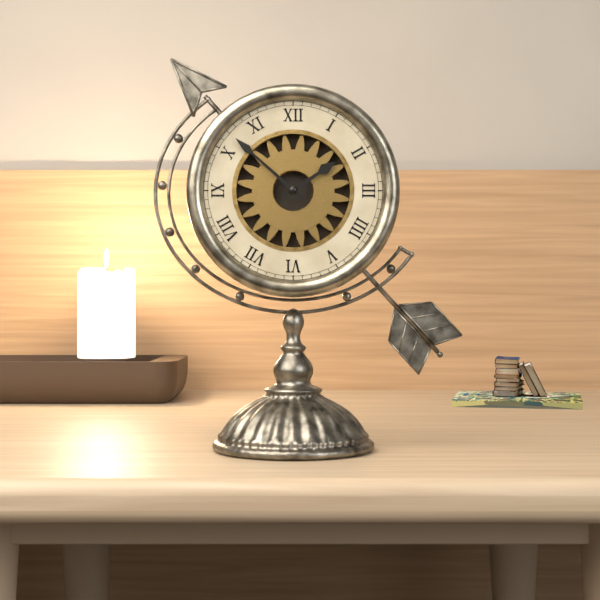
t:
1:52
